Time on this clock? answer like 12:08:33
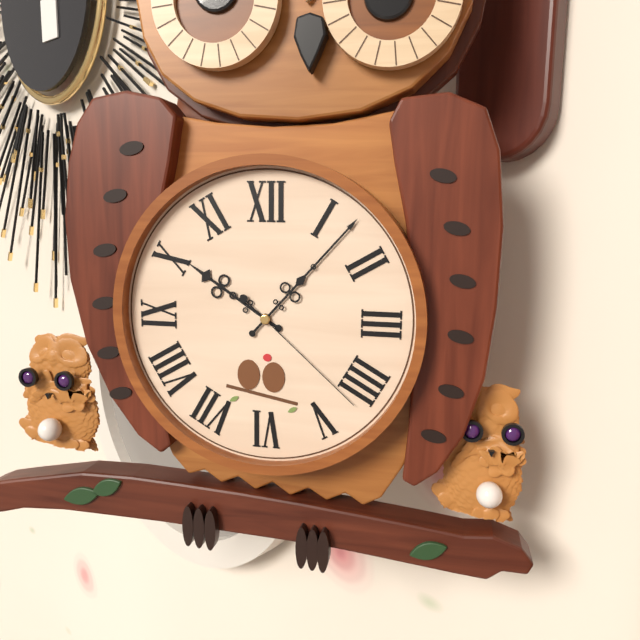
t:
10:07:22
